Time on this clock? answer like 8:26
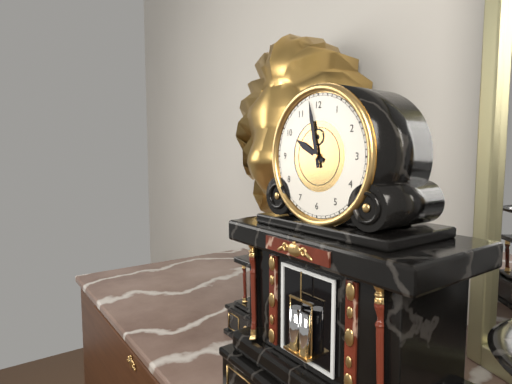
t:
9:58
